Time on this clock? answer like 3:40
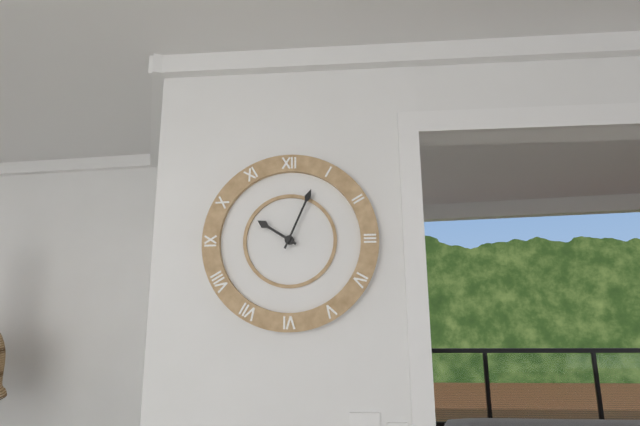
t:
10:04
